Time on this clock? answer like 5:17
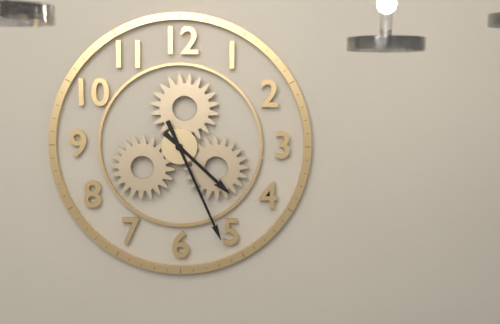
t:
4:26
